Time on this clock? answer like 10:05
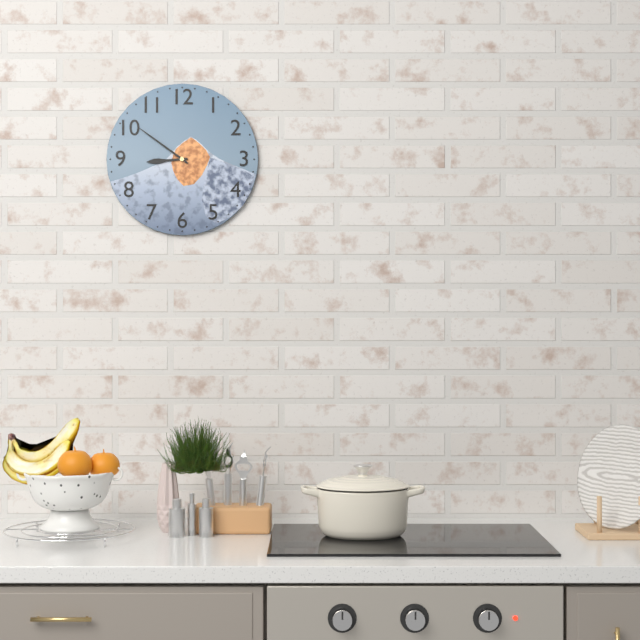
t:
8:51
